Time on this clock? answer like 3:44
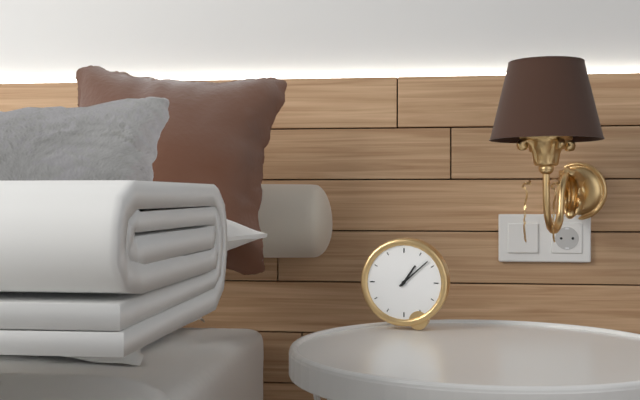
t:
1:08
